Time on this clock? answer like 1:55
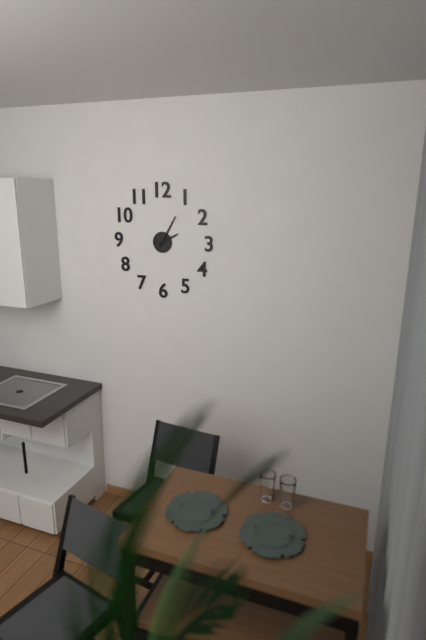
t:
2:05
